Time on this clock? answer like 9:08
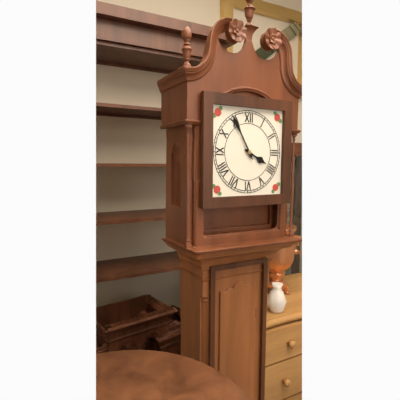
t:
3:55
